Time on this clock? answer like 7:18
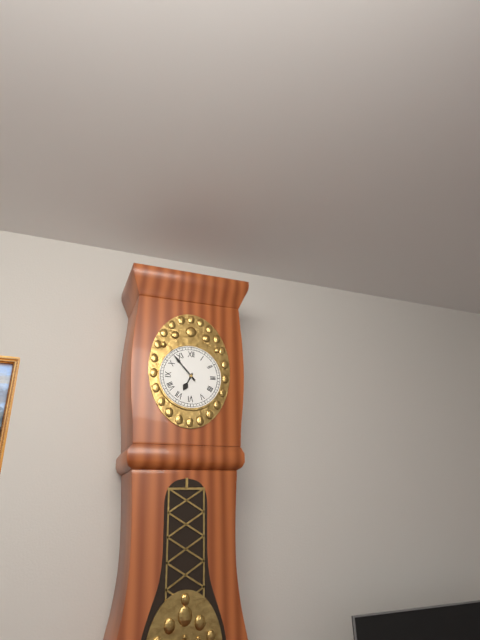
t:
6:53
